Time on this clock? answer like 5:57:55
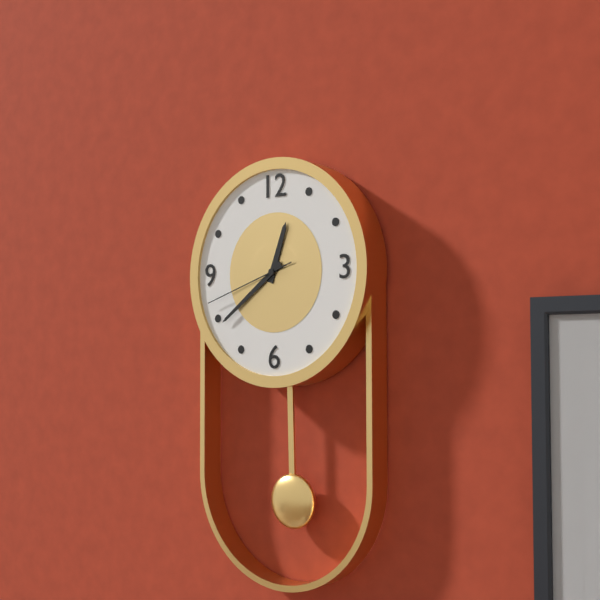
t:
12:39:42
